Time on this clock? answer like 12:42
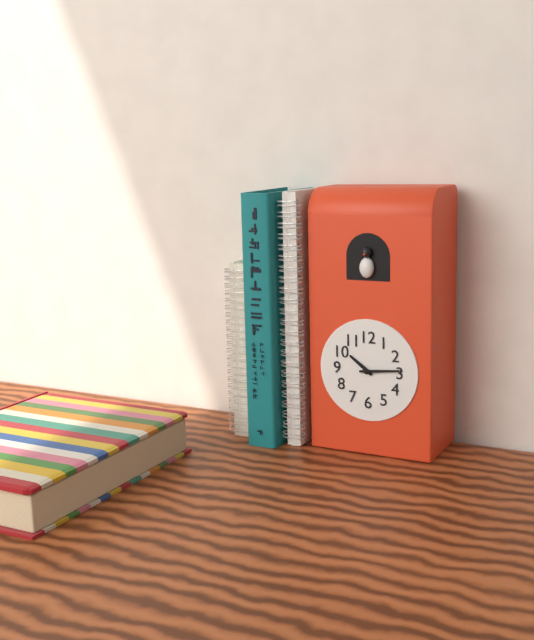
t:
10:14
